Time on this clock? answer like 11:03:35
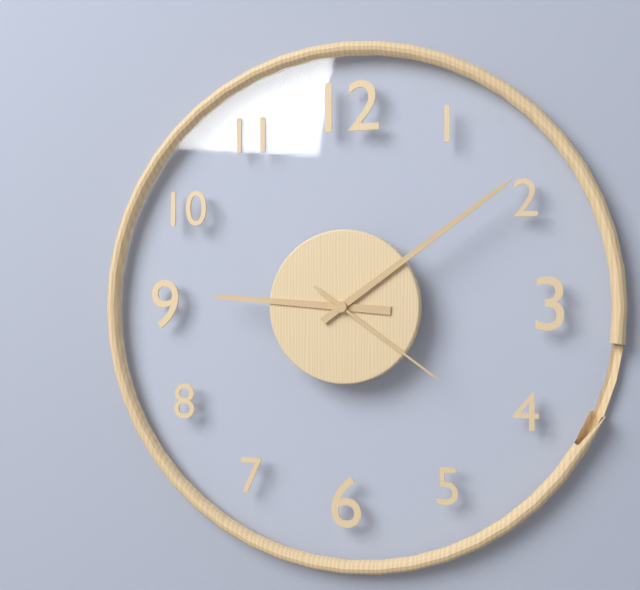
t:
9:09:21
